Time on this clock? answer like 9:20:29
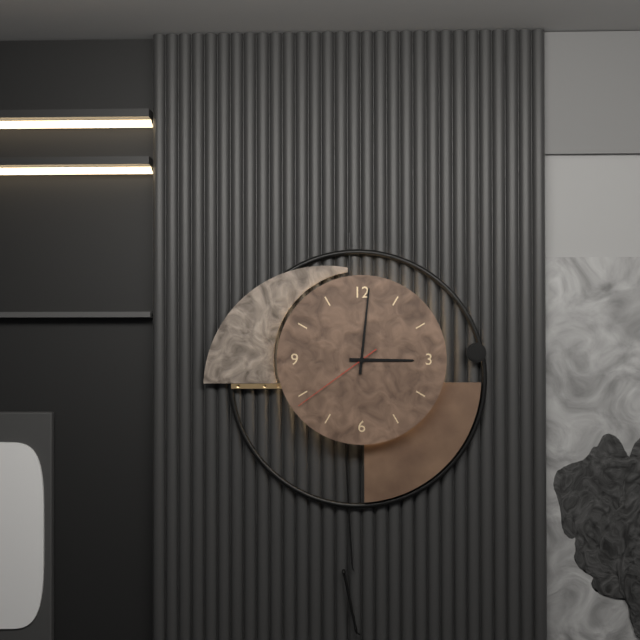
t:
3:01:39
